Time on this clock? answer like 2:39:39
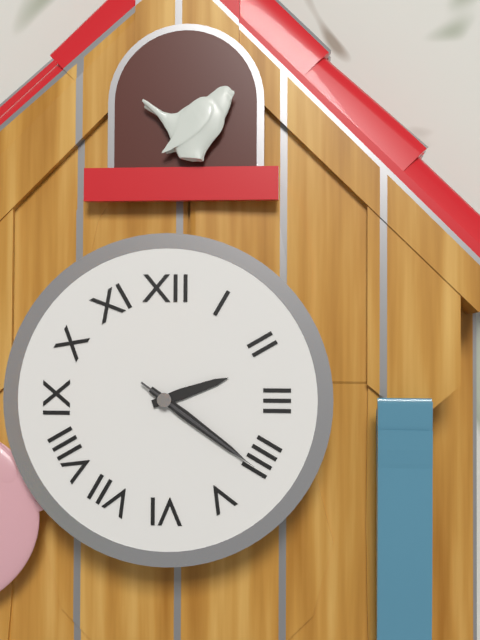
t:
2:21:21
